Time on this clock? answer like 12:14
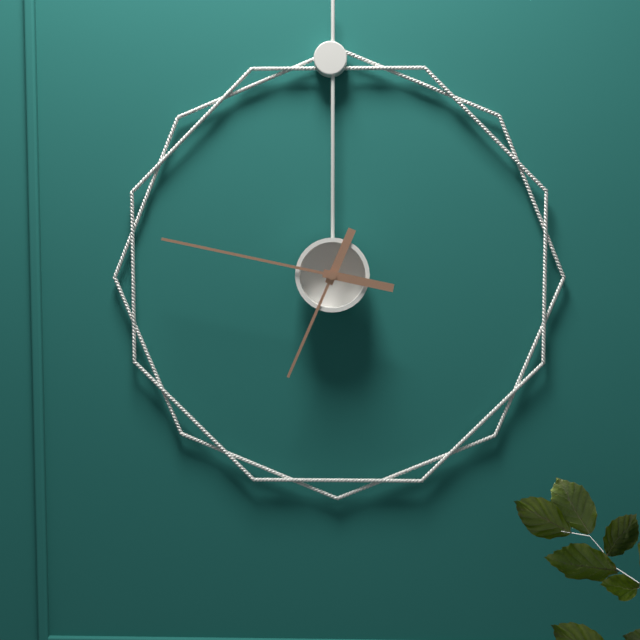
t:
6:47
